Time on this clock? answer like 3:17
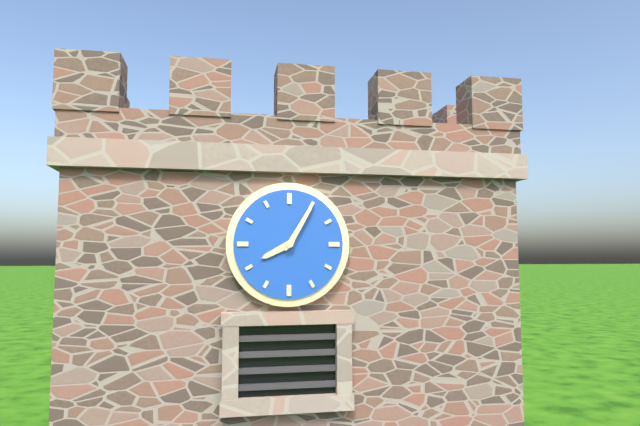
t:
8:05
